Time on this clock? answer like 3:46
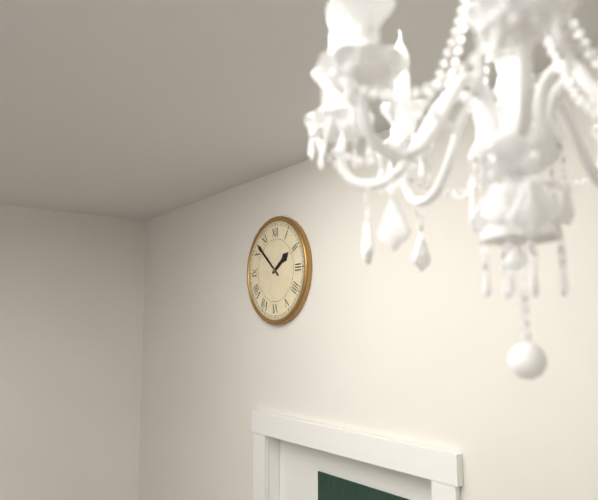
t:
1:52
